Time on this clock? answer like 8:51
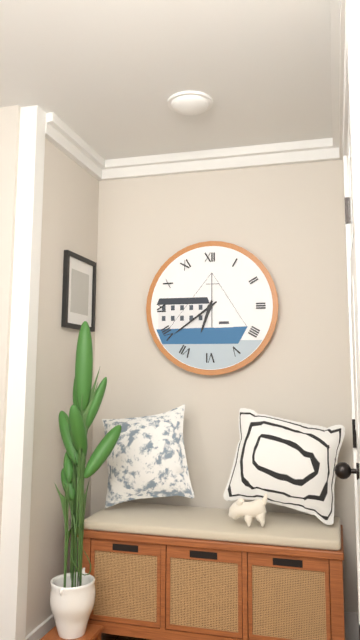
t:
6:39
